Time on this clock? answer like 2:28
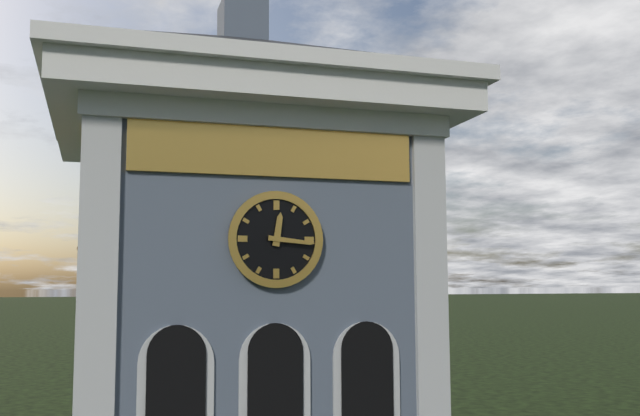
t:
12:16
